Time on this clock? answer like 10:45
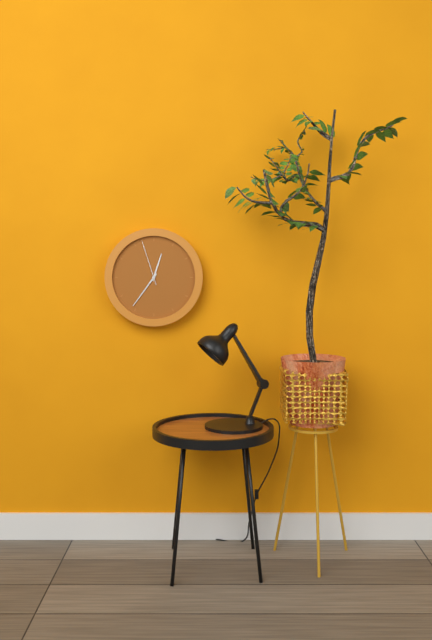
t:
12:36
